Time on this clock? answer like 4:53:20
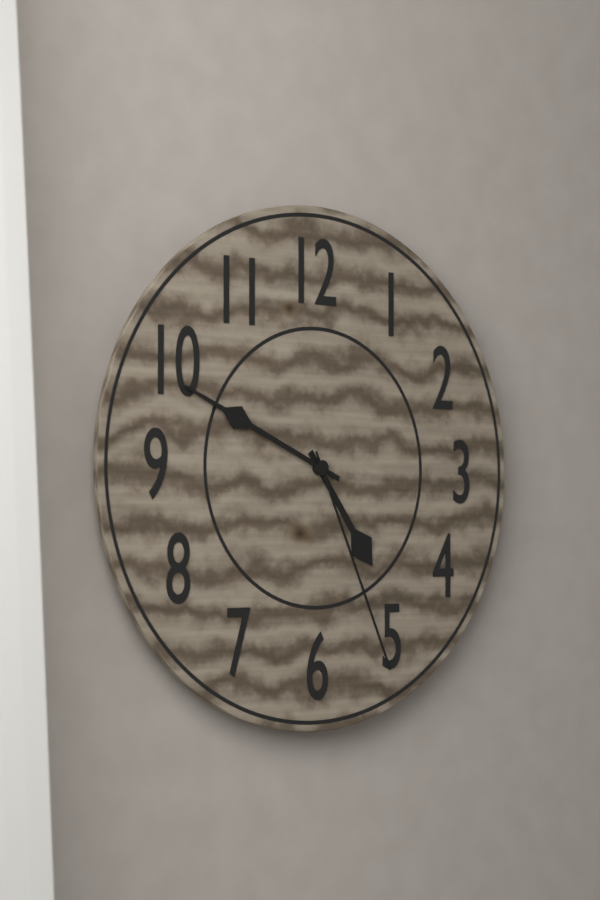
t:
4:49:26
